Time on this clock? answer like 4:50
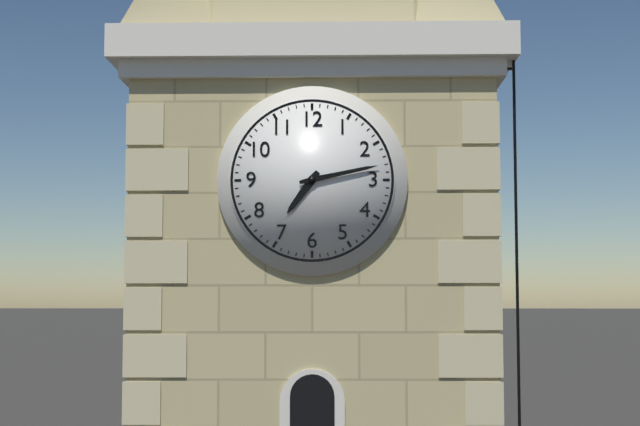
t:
7:13
